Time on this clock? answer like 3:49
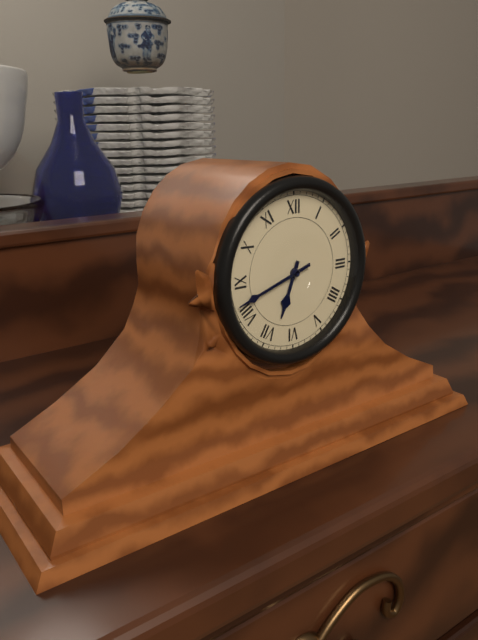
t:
6:42
